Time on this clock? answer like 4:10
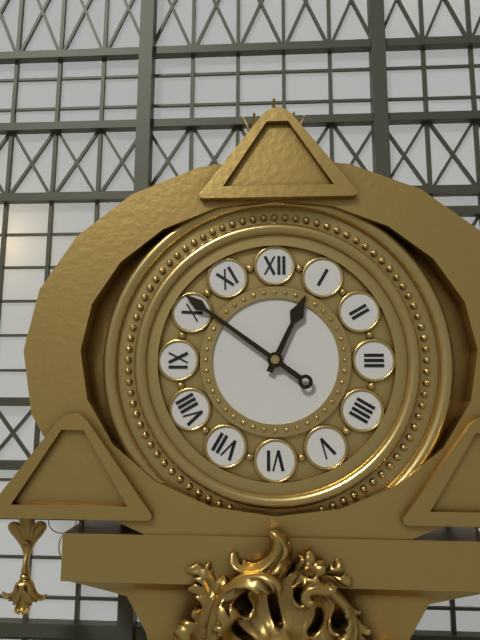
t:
12:51
